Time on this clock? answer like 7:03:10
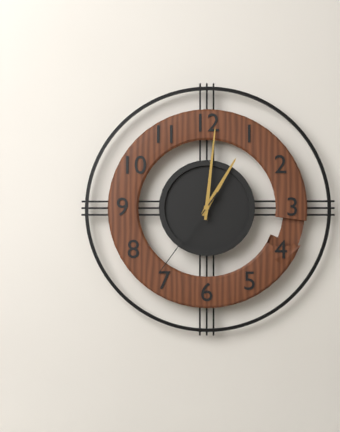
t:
1:01:36
